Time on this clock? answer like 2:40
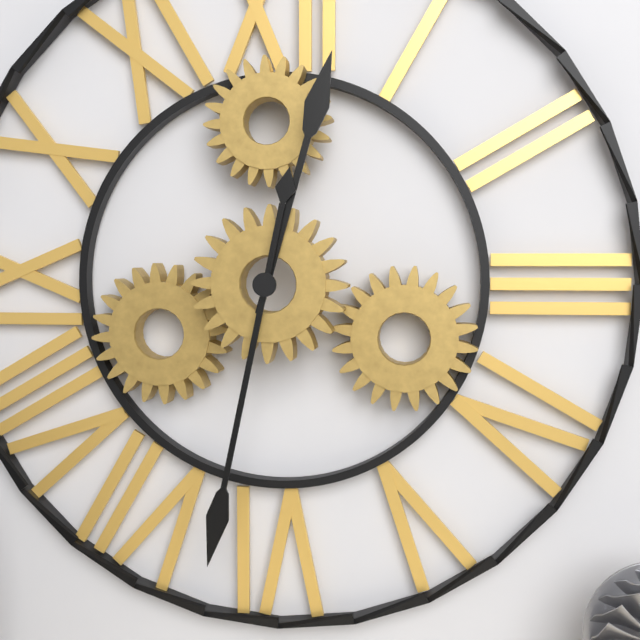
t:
12:32
